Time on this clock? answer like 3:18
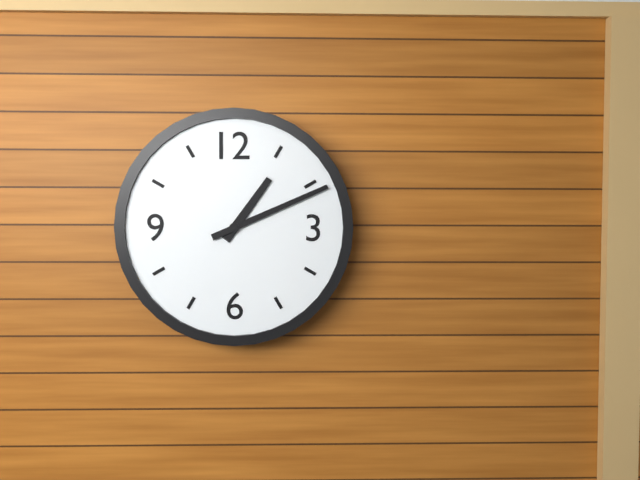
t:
1:11
